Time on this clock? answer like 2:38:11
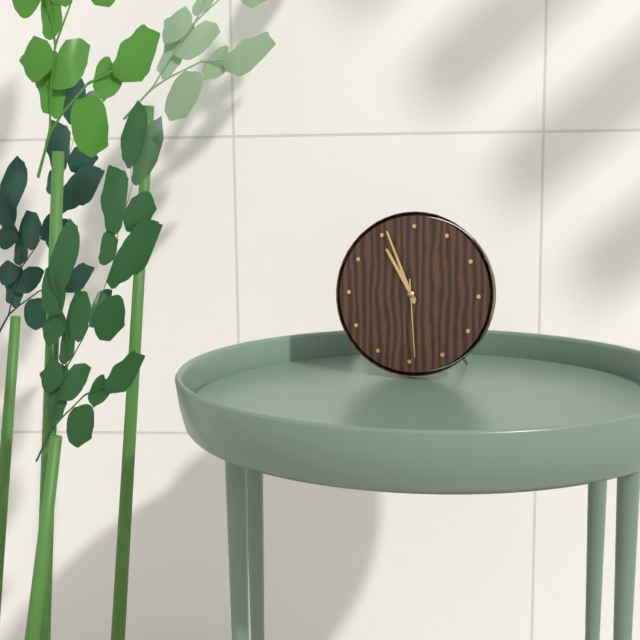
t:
10:56:29
